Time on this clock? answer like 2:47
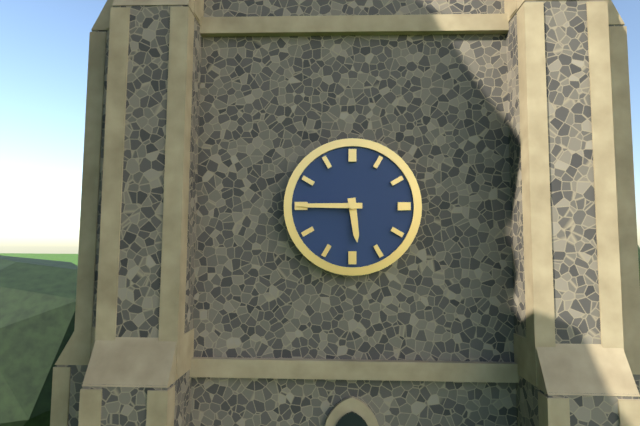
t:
5:45
